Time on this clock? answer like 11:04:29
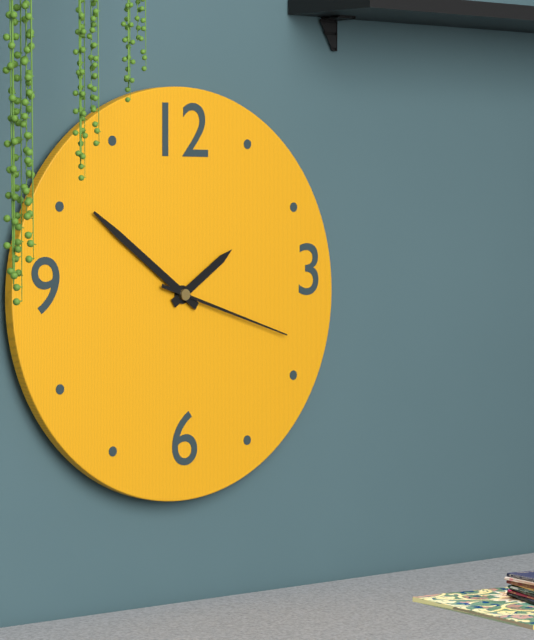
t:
1:51:18
